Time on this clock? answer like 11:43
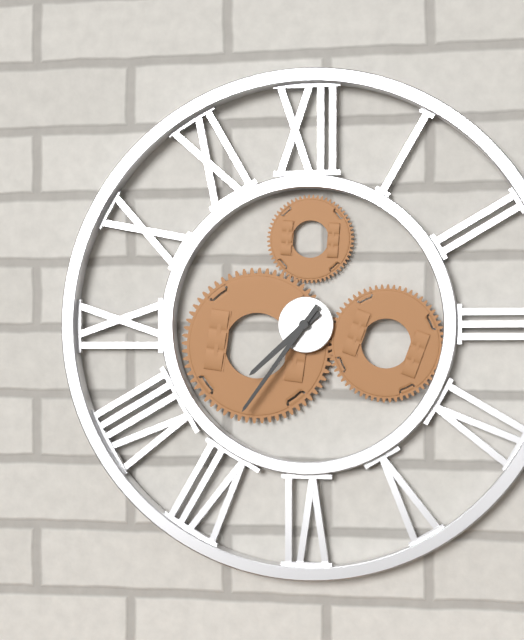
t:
7:36
